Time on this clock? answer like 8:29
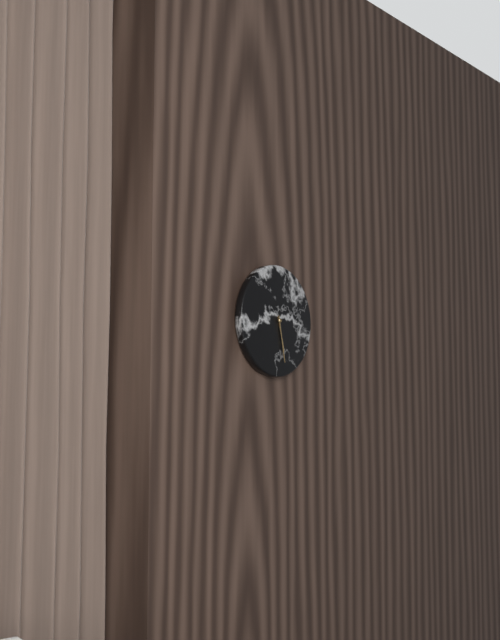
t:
5:28
